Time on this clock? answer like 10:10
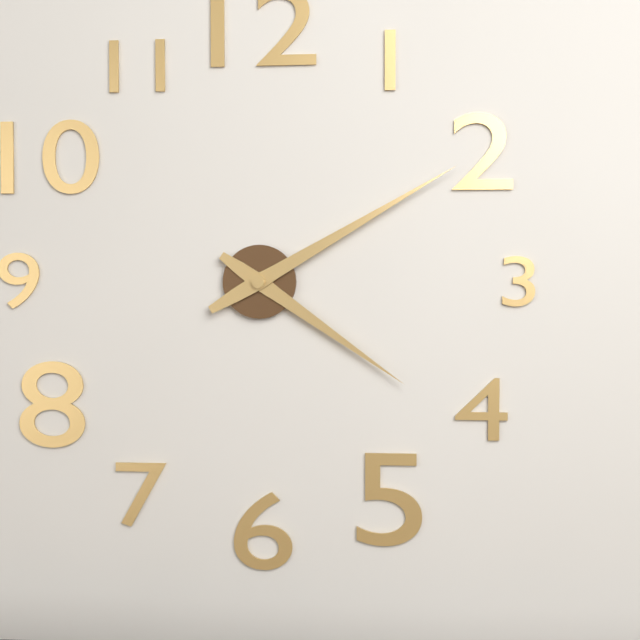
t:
4:10
